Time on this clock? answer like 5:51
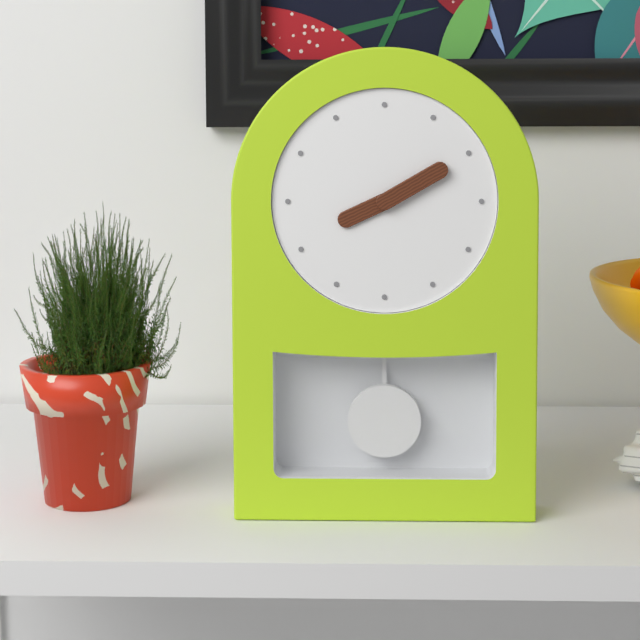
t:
8:10
